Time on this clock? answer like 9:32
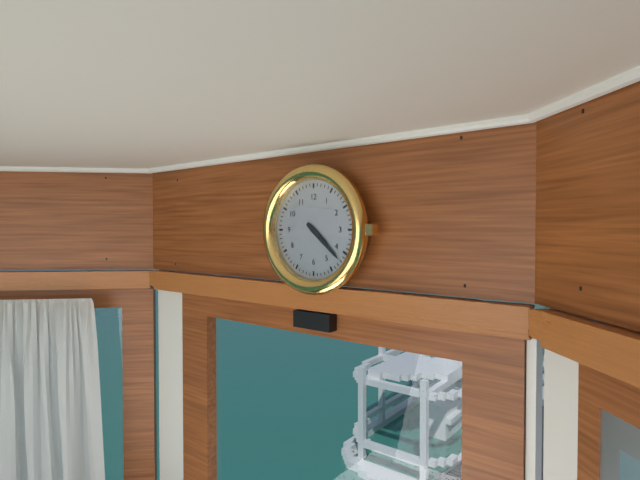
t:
4:22
